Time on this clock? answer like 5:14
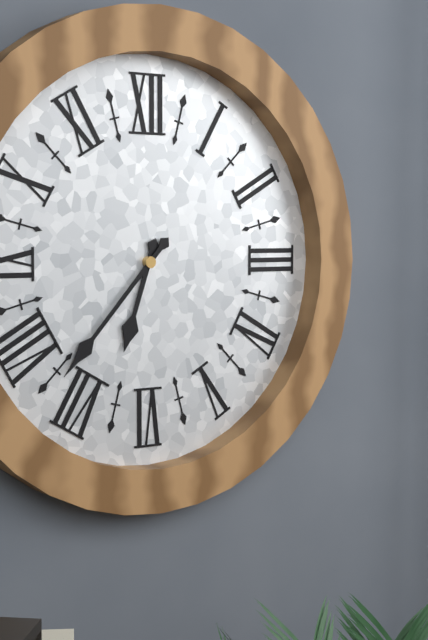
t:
6:37
